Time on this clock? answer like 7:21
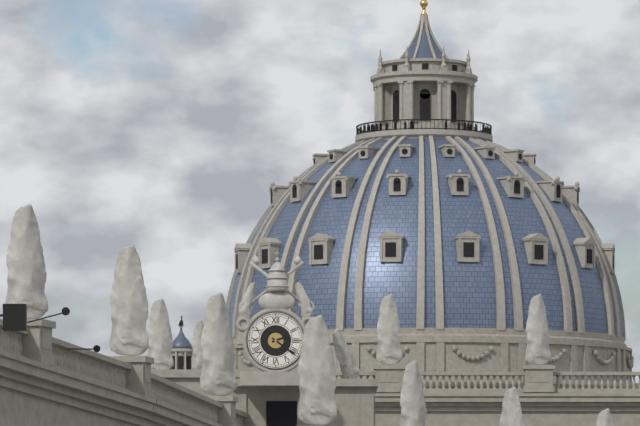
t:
2:21
